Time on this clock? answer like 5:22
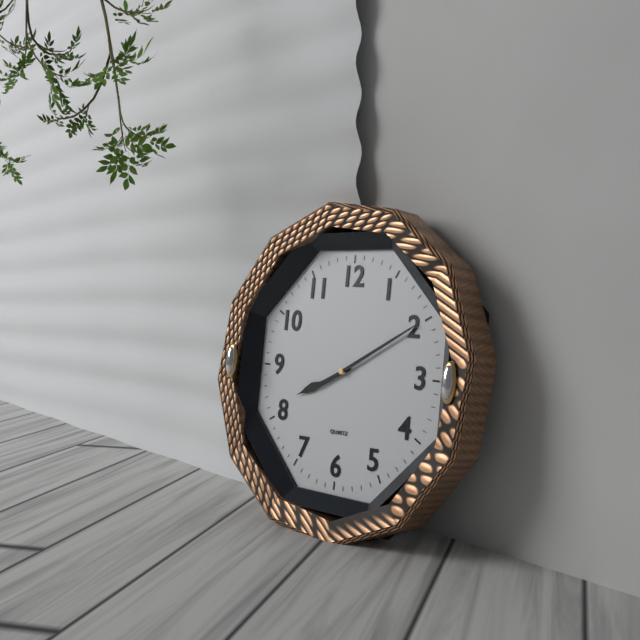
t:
8:10
